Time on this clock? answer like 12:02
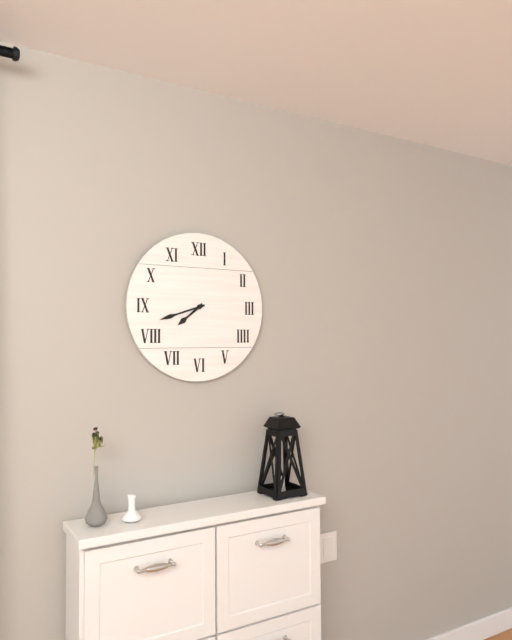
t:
7:42
